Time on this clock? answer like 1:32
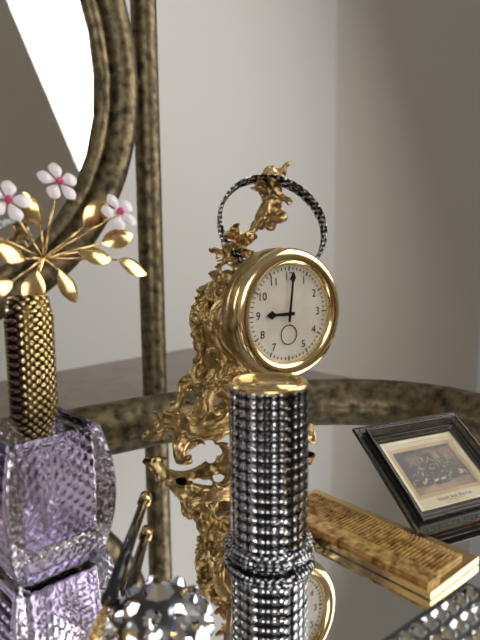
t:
9:01
